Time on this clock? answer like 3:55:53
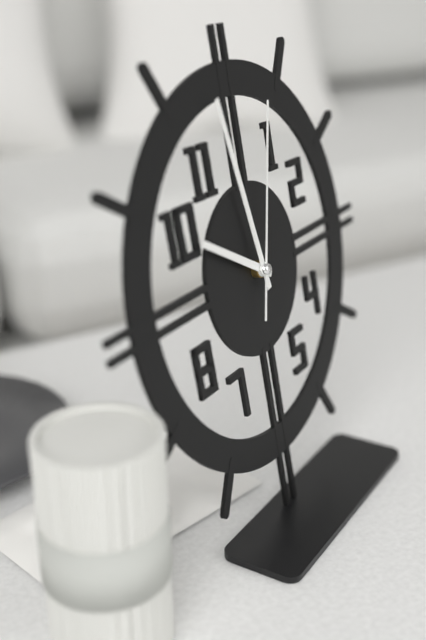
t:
9:58:03
